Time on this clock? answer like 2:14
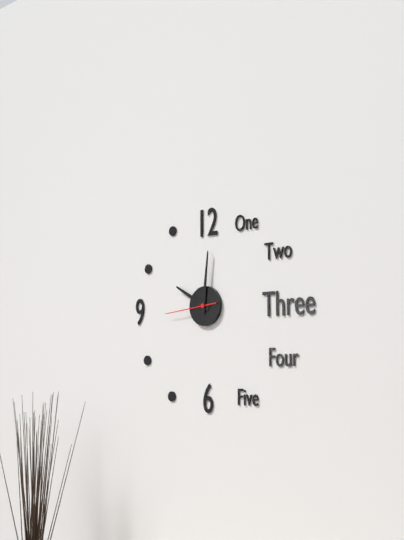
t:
10:01
